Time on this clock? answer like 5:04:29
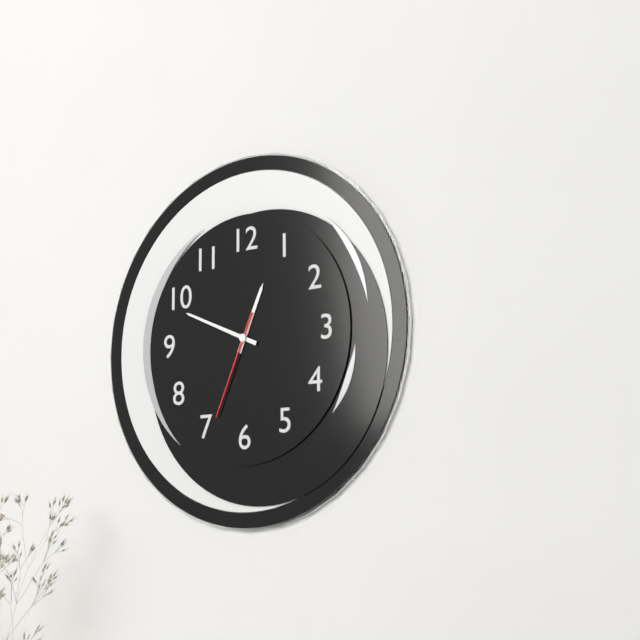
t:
12:49:34
